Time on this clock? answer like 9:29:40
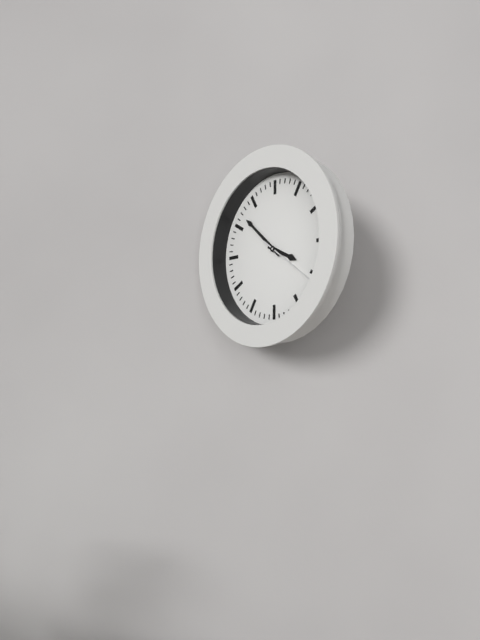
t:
3:52:21
